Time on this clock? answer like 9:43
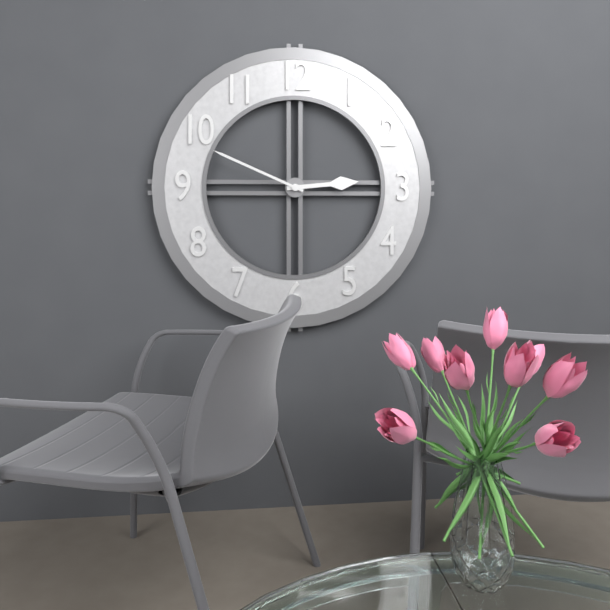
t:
2:49
